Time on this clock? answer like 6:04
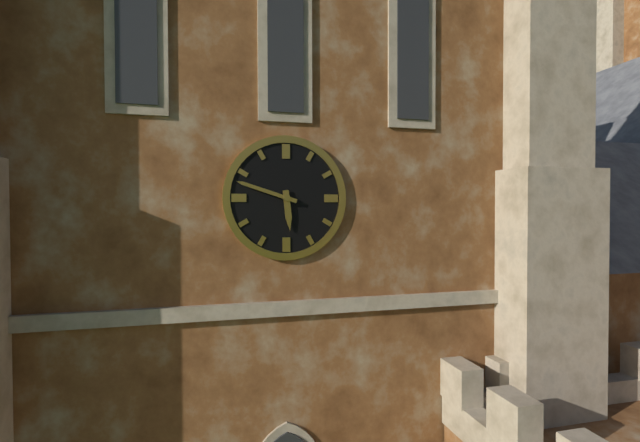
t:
5:48
